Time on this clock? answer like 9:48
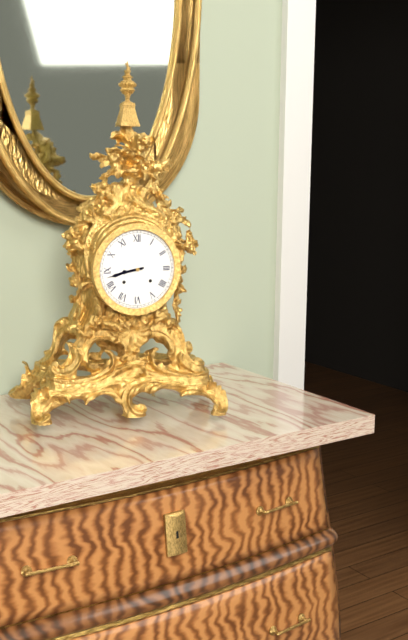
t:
8:43
